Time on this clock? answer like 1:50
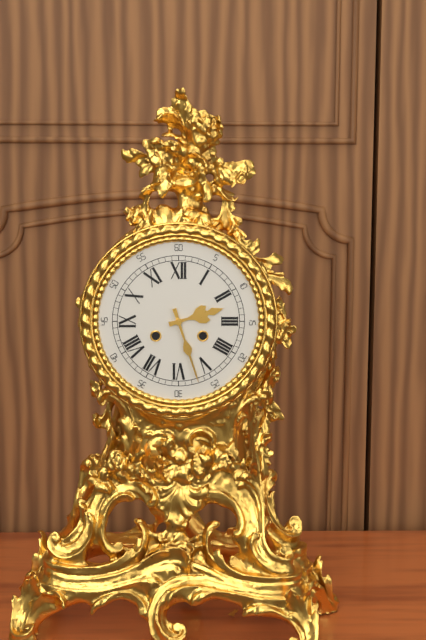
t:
2:27
